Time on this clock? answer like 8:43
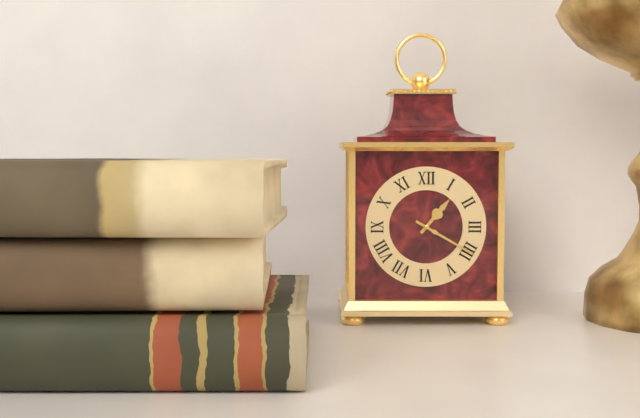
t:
1:20
